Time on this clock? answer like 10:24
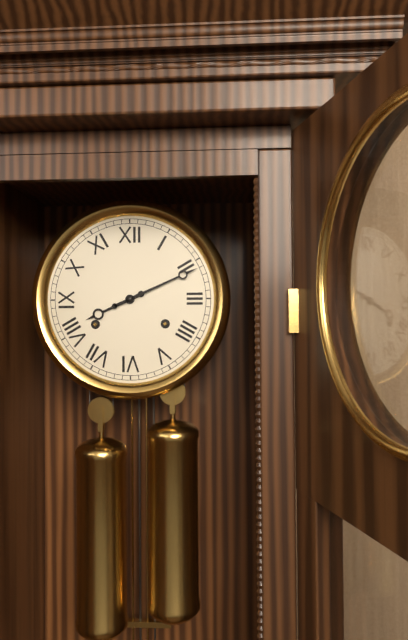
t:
8:11
